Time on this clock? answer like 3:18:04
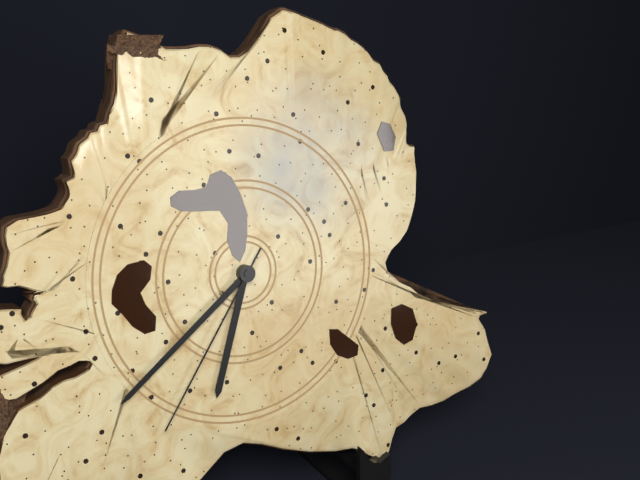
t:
6:39:36
